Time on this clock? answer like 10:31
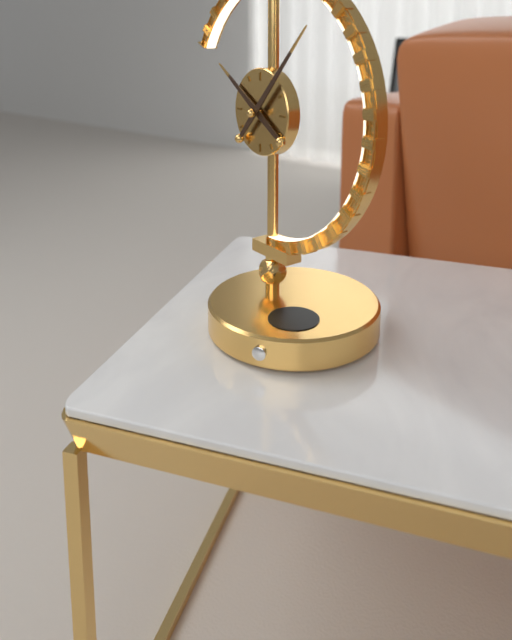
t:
10:07
